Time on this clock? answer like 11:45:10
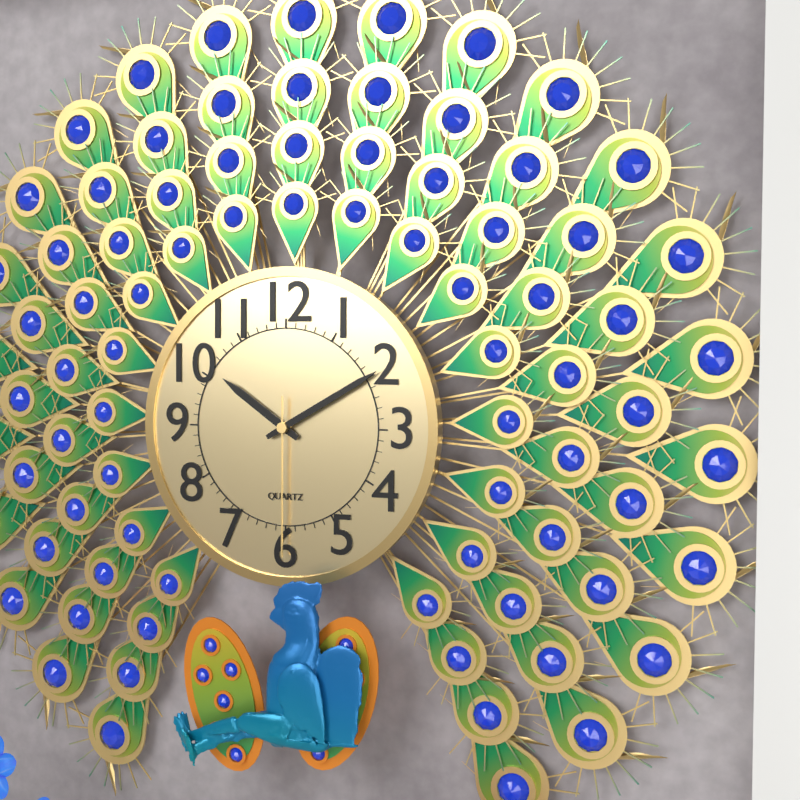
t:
10:10:30
